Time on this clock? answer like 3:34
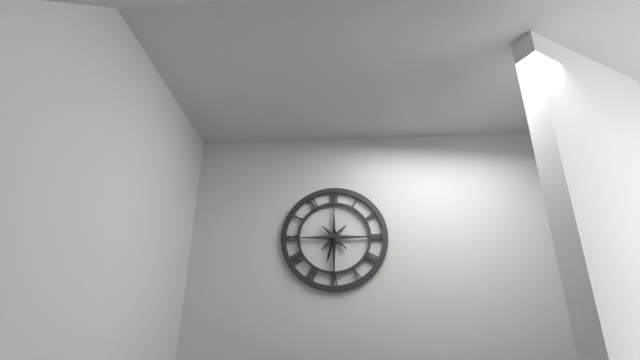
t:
6:30
